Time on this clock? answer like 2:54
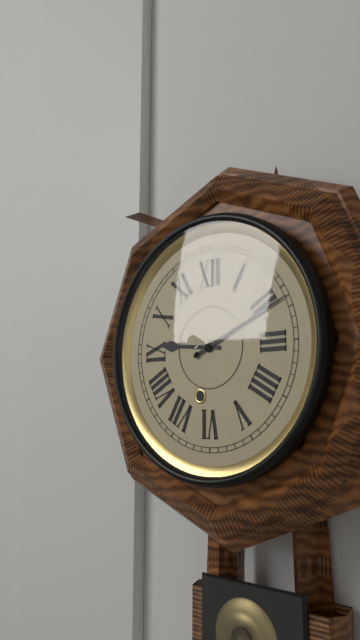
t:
9:11
